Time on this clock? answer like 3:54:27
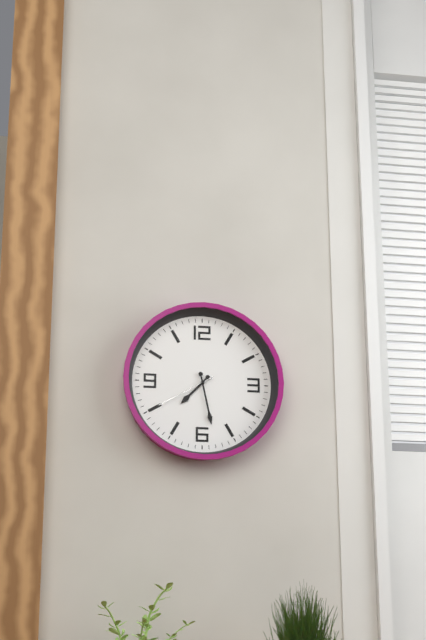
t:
7:28:40
